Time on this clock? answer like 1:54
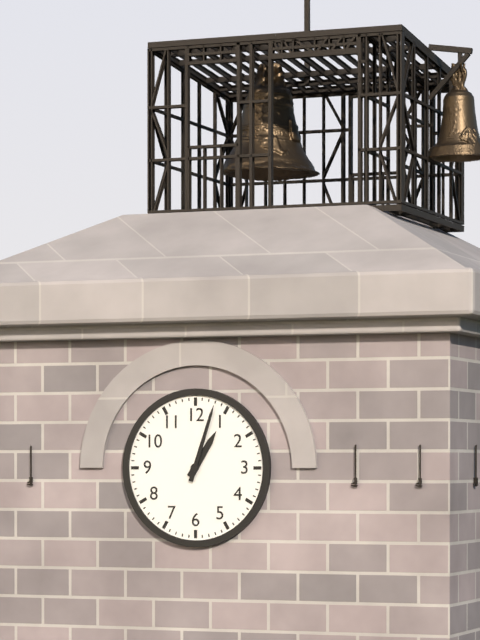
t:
1:03
